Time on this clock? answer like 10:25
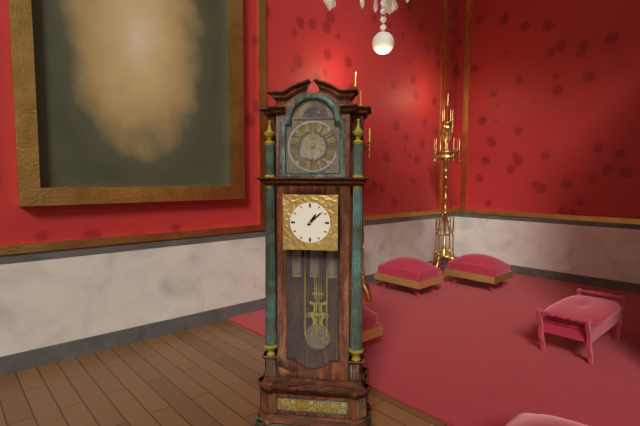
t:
1:08
